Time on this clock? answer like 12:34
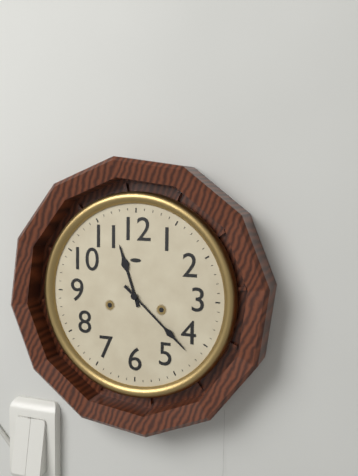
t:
11:22
